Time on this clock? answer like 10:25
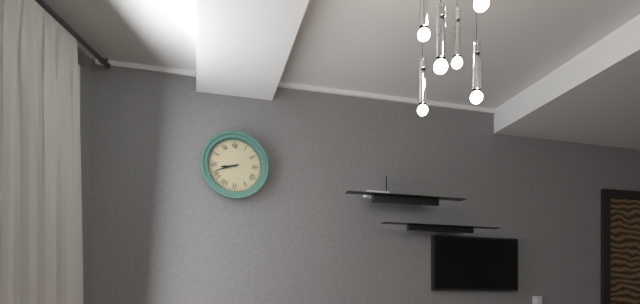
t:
8:42
